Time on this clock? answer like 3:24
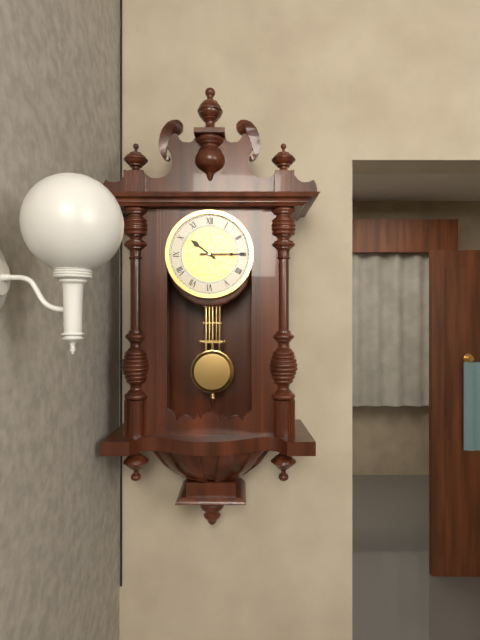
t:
10:15
